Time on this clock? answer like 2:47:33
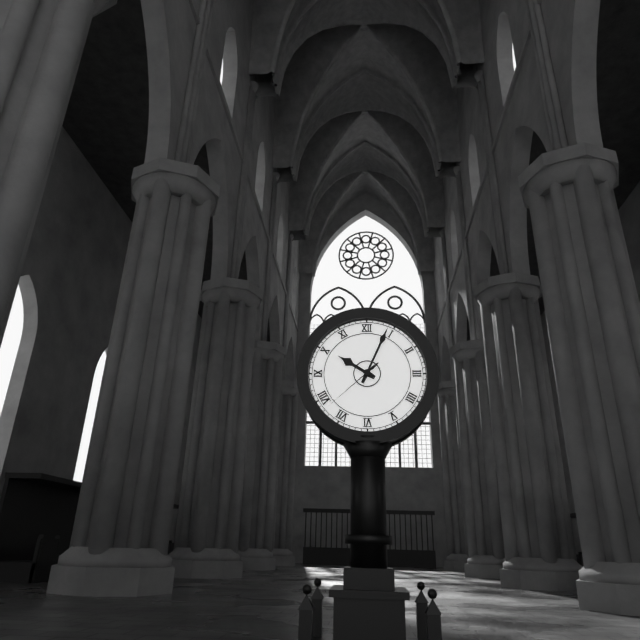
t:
10:04:38
